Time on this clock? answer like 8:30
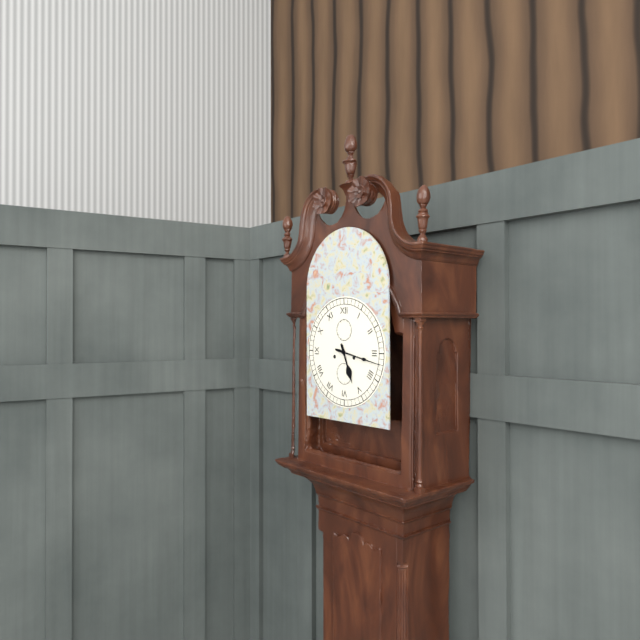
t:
5:17
